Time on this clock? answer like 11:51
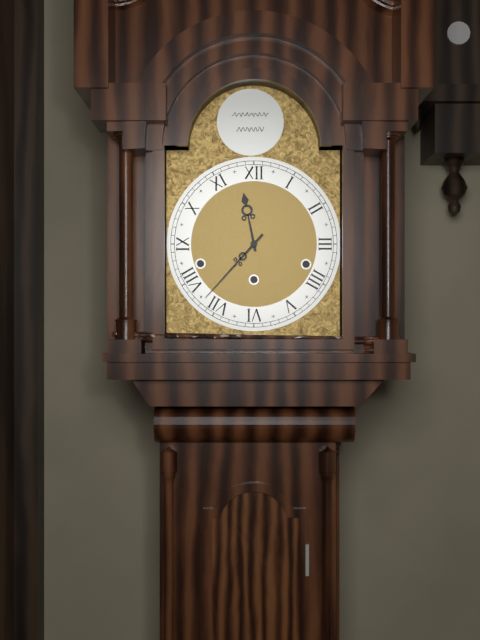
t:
11:37
